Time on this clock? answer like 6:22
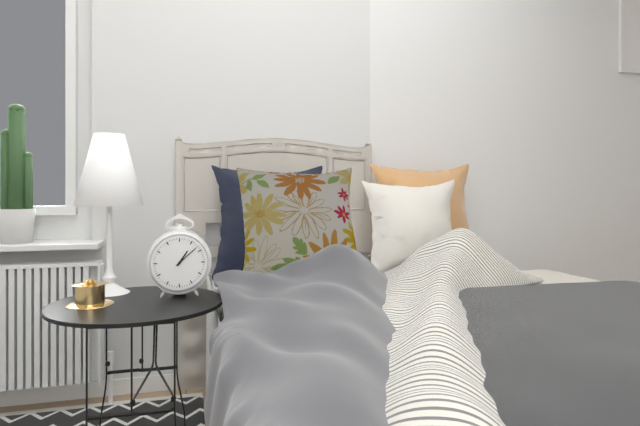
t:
1:08
